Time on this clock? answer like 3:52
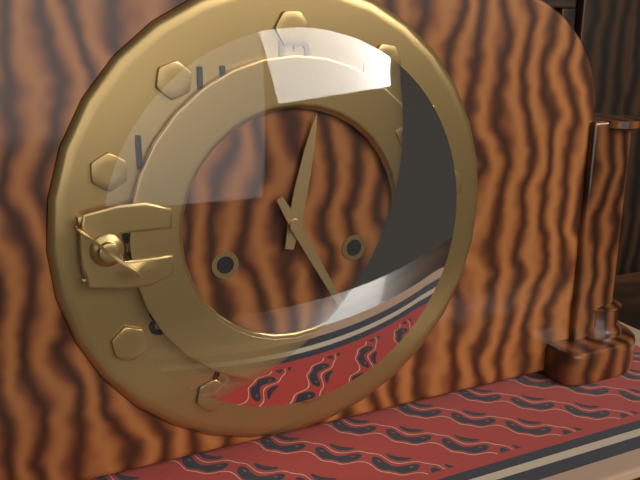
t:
12:25
